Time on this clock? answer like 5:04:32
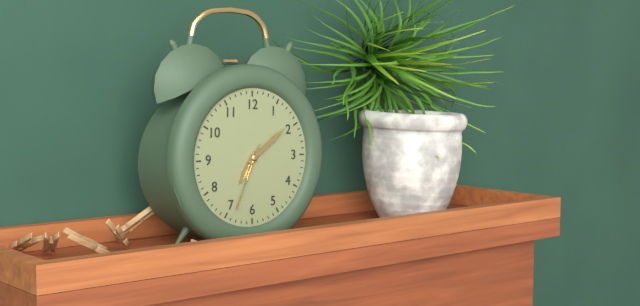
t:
7:09:34
